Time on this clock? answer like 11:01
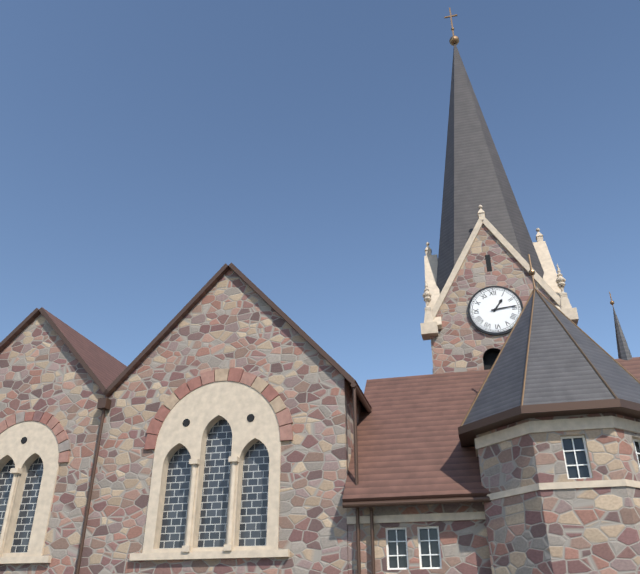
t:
1:14
